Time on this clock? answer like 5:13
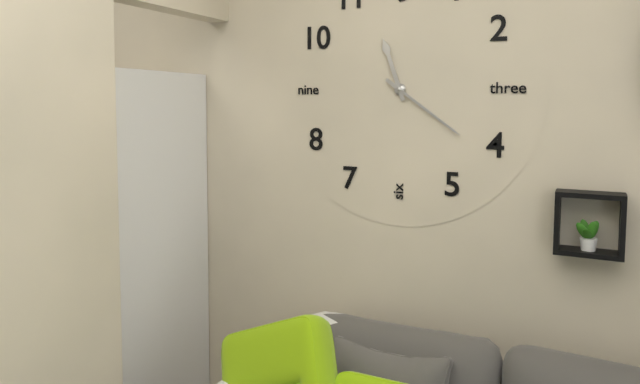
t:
11:21
